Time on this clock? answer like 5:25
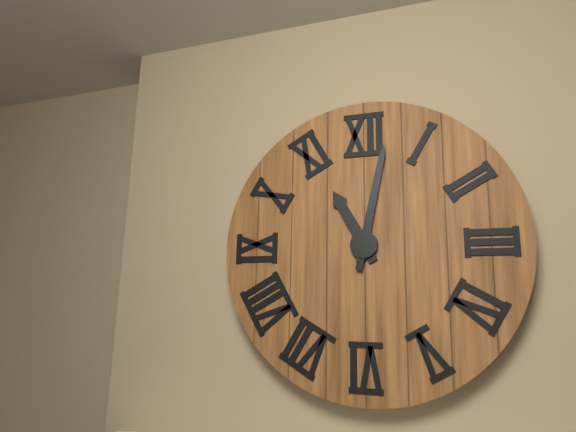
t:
11:02
